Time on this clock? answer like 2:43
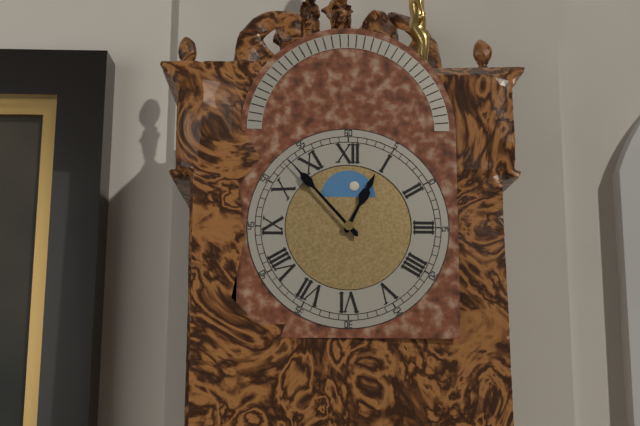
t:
12:53
